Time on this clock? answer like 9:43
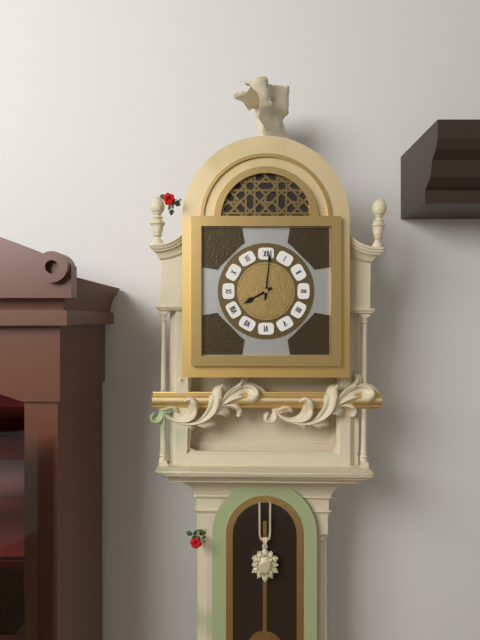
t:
8:01
